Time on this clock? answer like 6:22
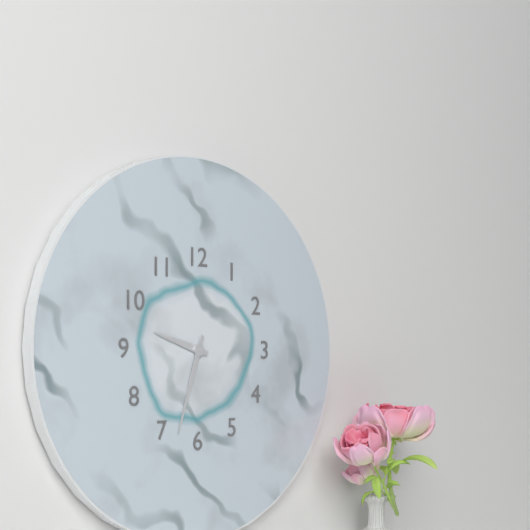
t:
9:33
